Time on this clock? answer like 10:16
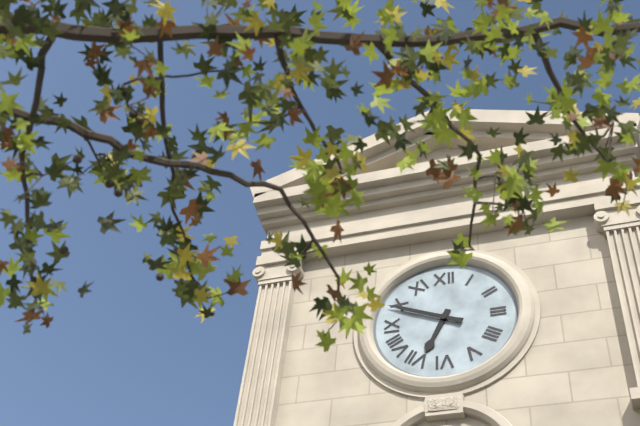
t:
6:49
